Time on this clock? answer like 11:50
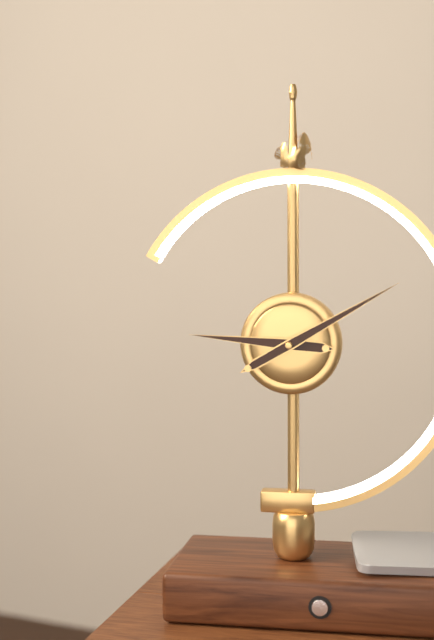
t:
9:10
